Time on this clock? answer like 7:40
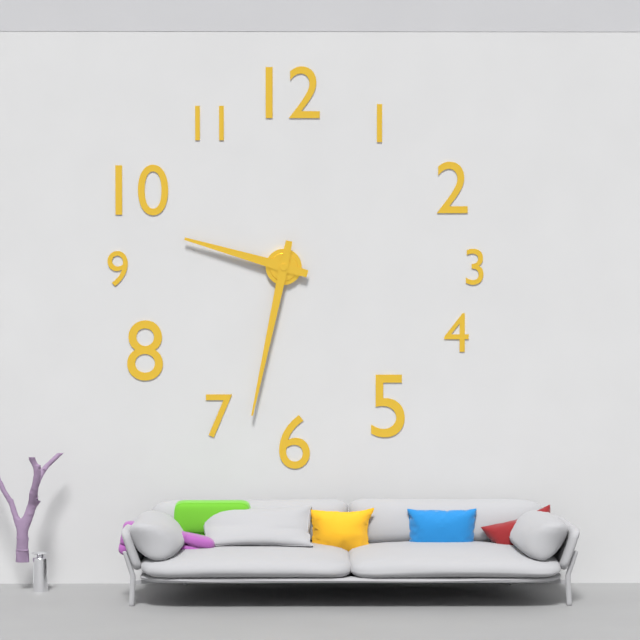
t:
9:32
